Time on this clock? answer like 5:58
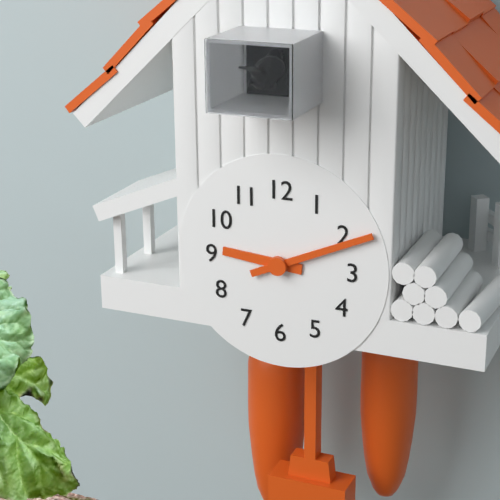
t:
9:11
